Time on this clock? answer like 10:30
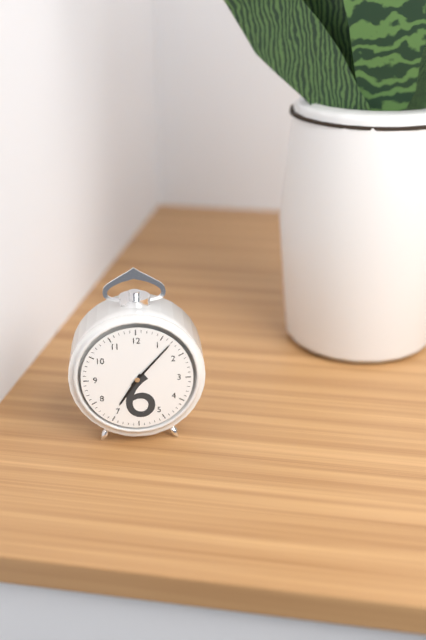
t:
7:07
